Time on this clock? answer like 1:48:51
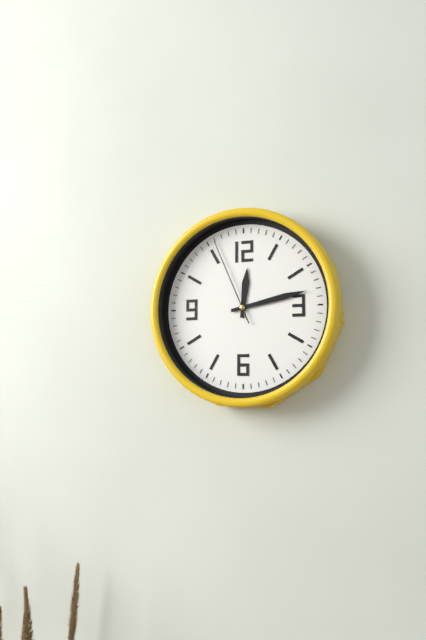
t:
12:13:56
